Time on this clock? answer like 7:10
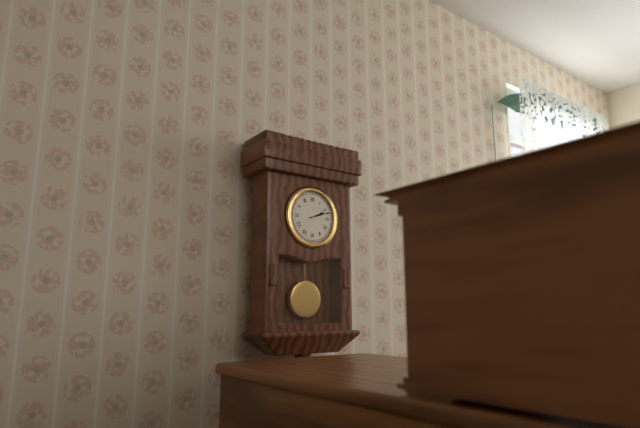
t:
2:12
